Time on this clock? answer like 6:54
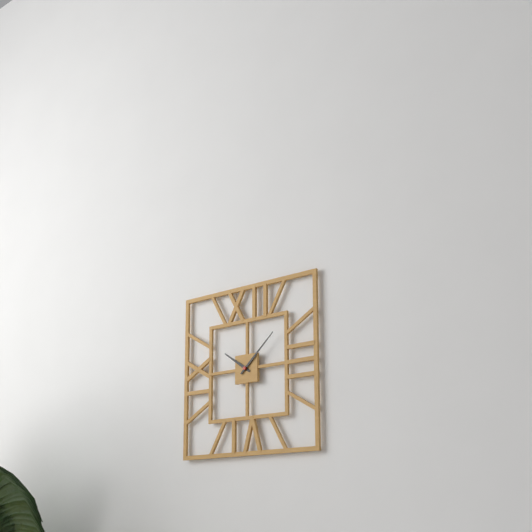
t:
10:08
